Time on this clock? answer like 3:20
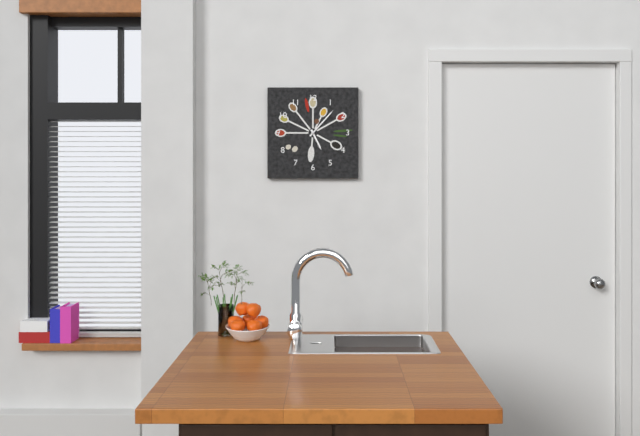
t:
5:07
